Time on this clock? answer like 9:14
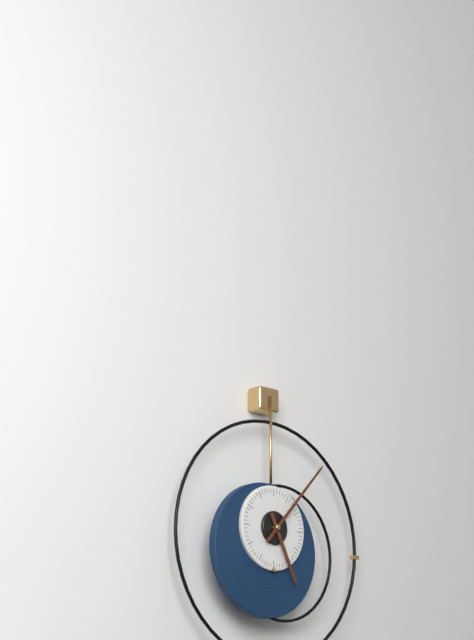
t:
5:07
